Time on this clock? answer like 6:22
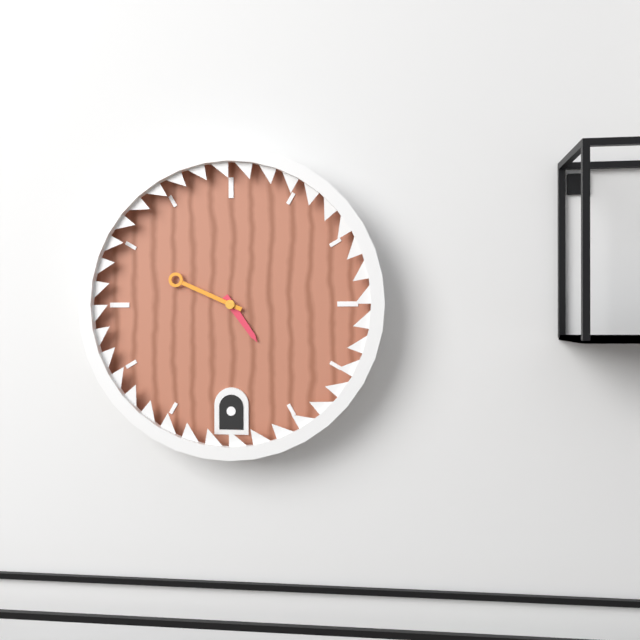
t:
4:49
